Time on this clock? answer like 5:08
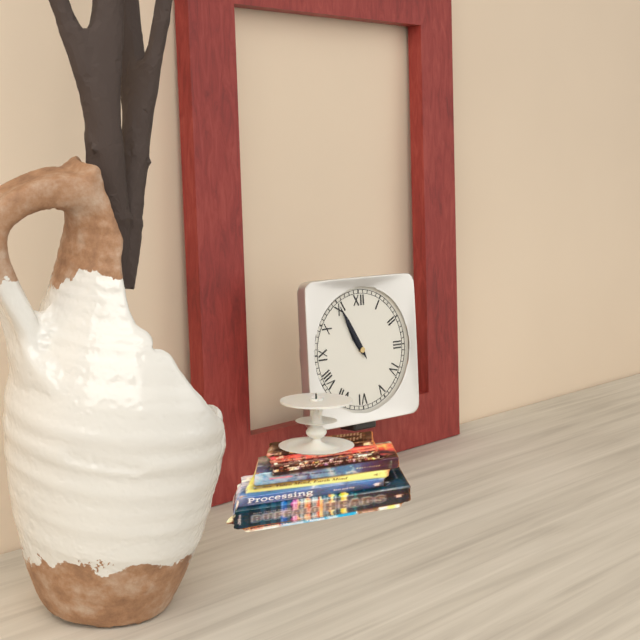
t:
10:55
